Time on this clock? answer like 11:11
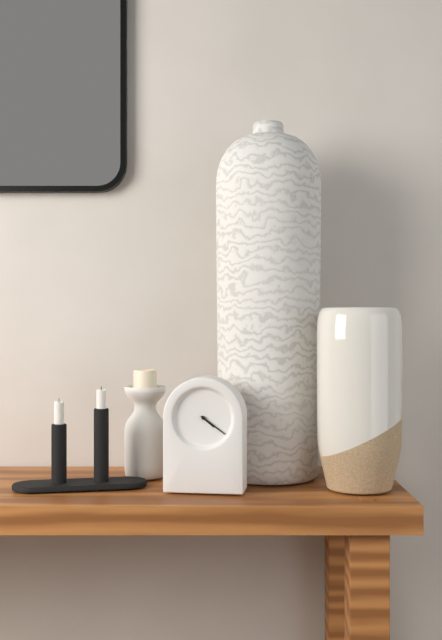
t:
4:21
